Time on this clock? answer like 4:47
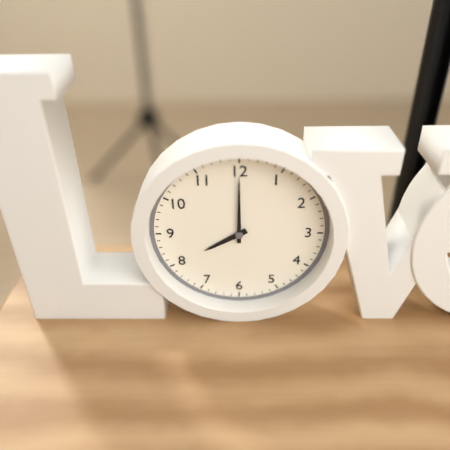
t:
8:00
